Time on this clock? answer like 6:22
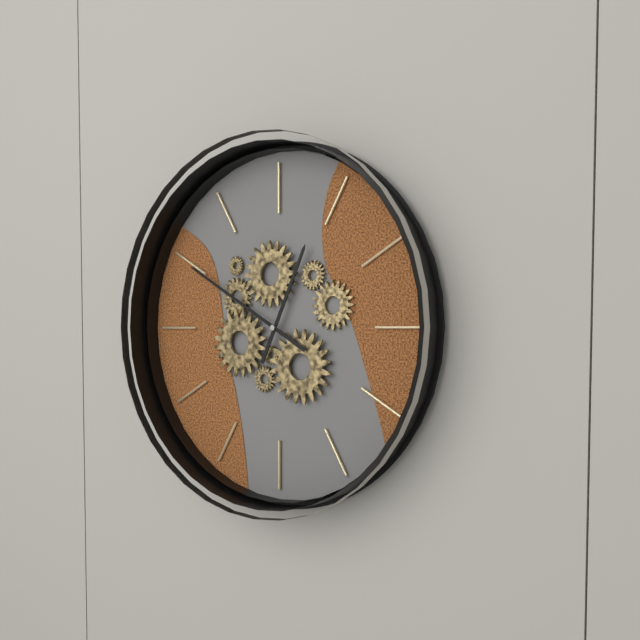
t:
12:50
